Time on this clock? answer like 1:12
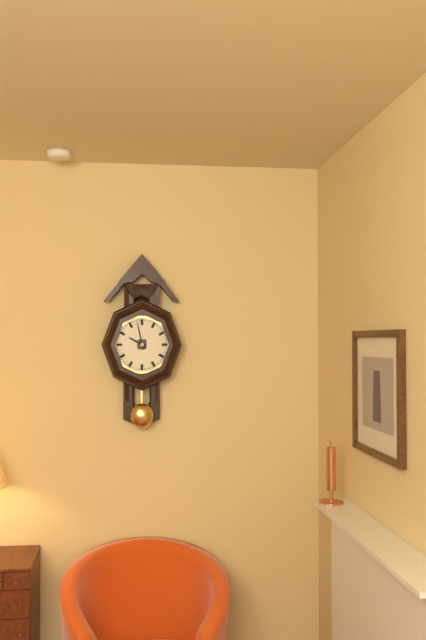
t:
9:58
